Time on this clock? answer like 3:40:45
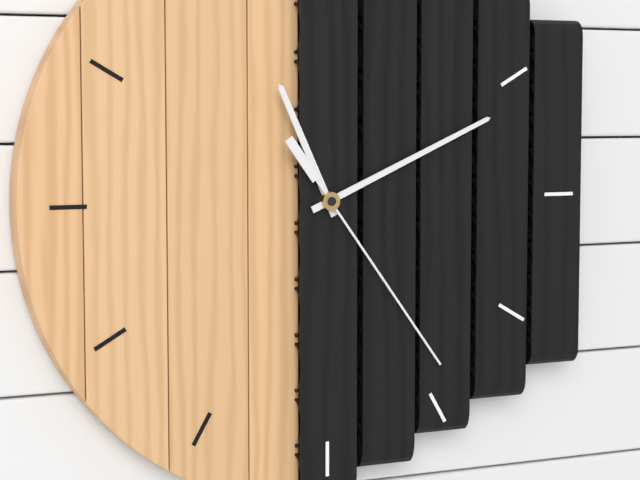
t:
11:11:24
